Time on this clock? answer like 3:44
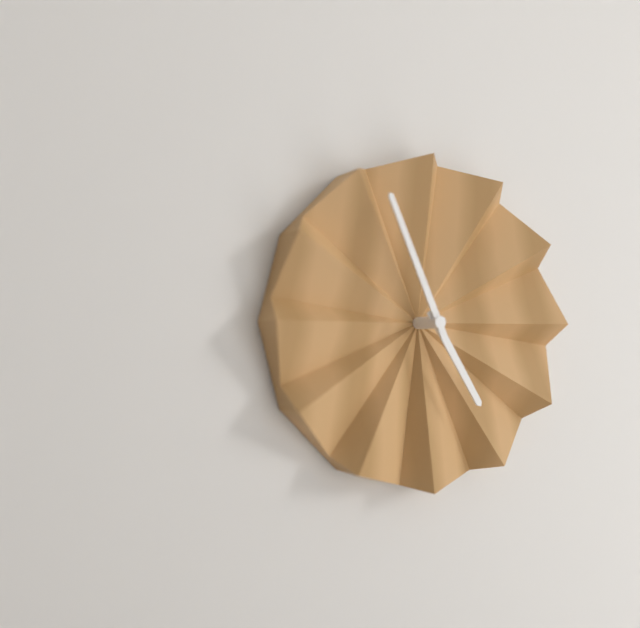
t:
4:56
